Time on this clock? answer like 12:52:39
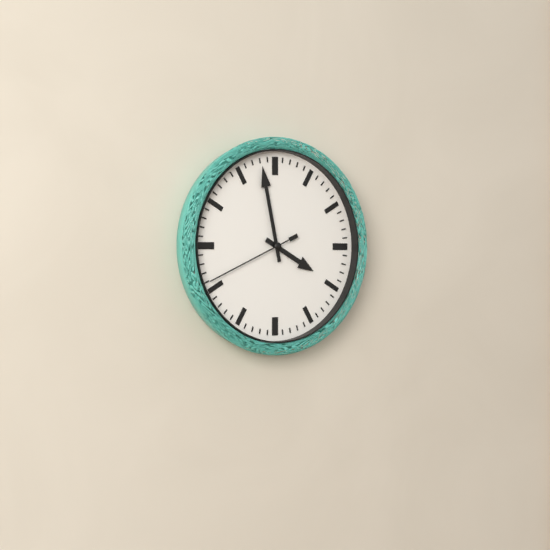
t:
3:58:41
